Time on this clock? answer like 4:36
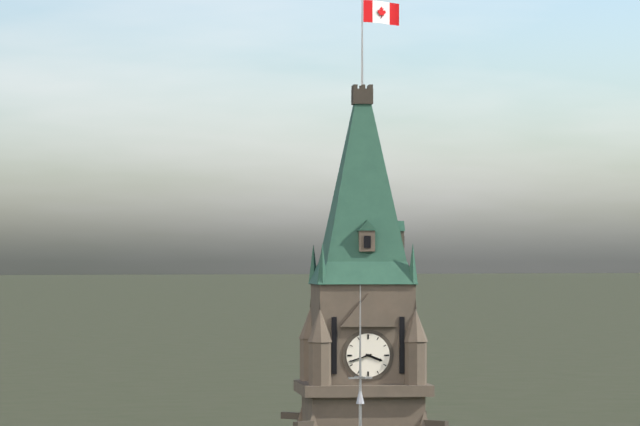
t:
3:42
